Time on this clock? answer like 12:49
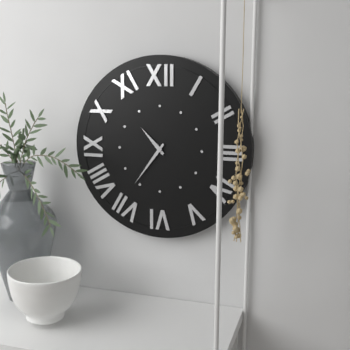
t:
10:36
